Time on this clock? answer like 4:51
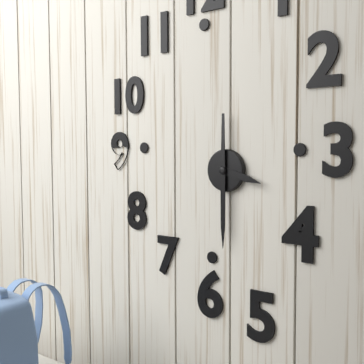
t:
3:30
